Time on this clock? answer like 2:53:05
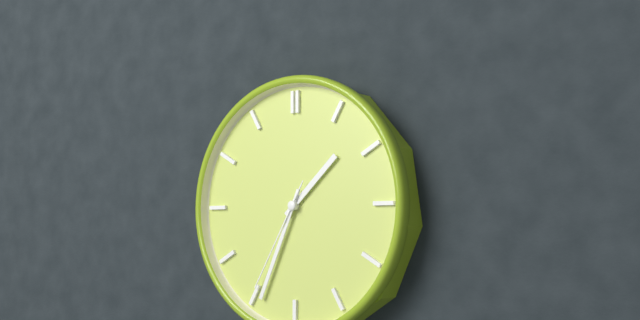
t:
1:34:35
